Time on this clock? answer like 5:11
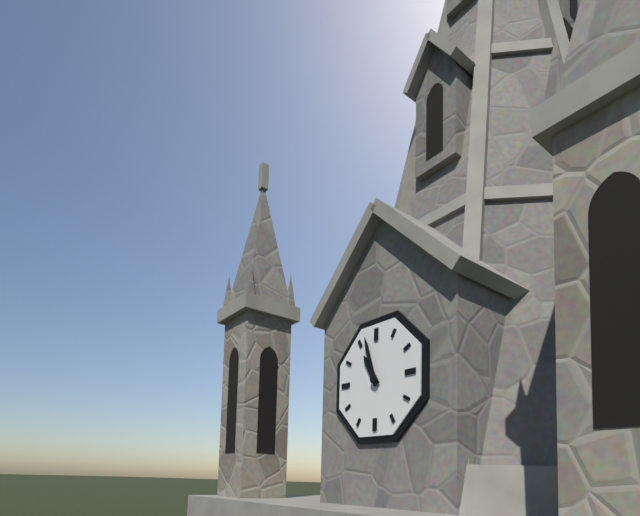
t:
10:57
